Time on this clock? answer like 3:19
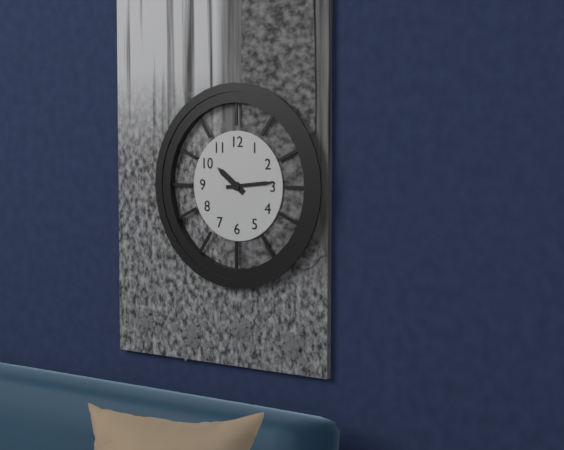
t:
10:14
